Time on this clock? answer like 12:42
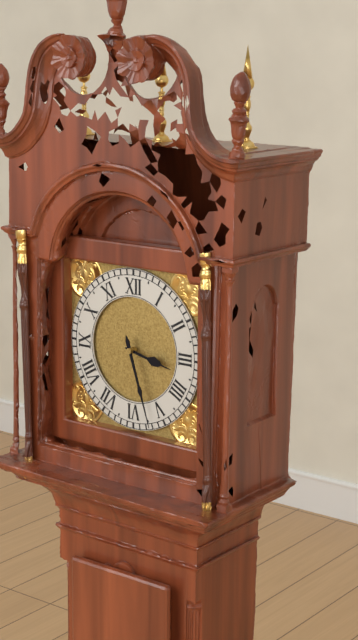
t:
3:27
